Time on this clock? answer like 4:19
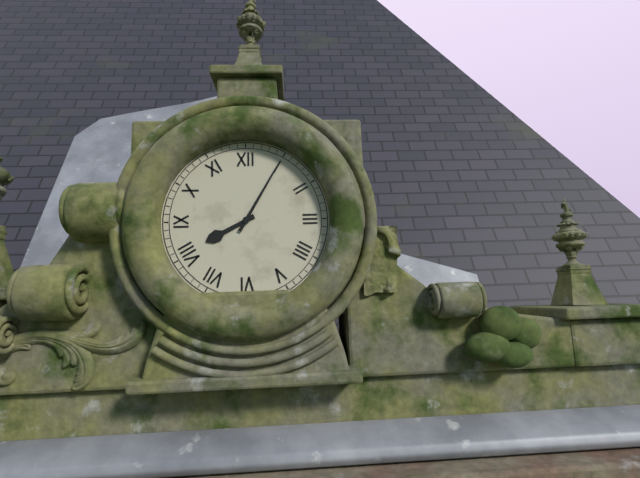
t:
8:05
